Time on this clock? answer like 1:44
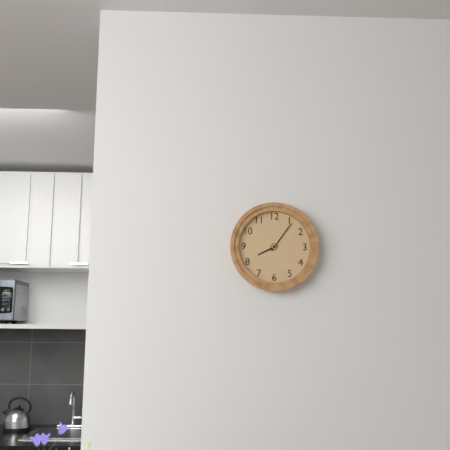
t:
8:06
